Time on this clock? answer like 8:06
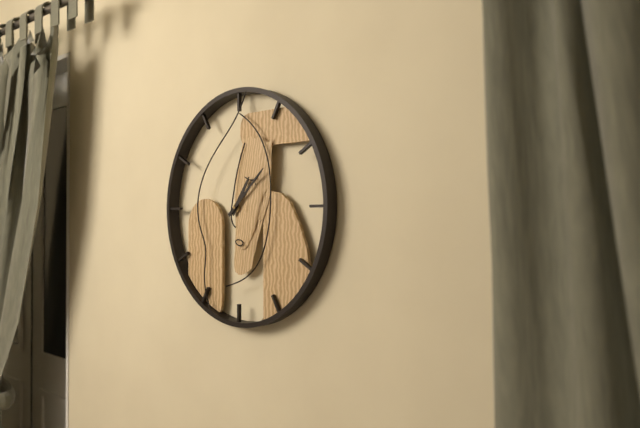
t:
1:08
